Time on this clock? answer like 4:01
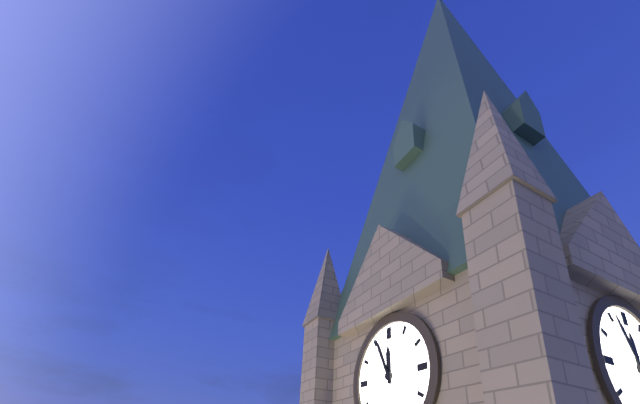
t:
11:56
